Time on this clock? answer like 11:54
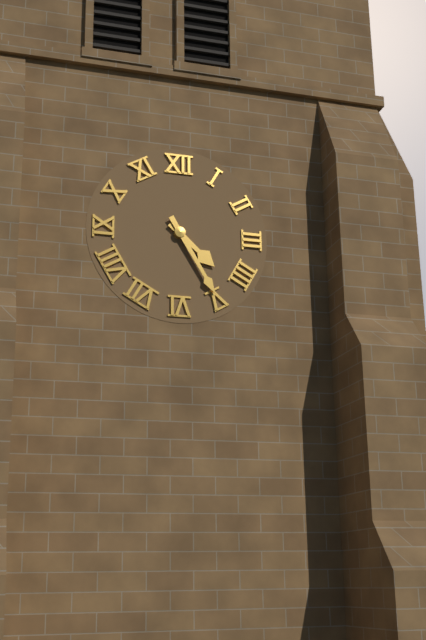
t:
4:25
